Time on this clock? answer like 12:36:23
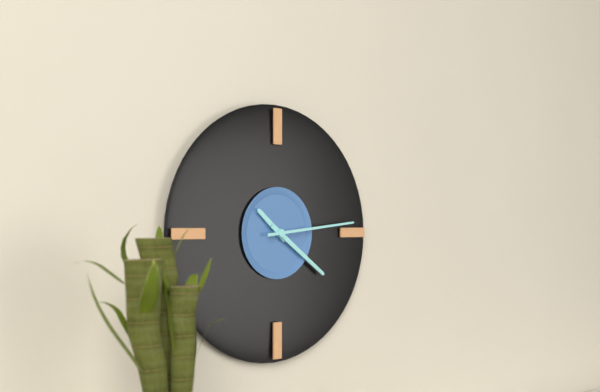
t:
10:21:14
